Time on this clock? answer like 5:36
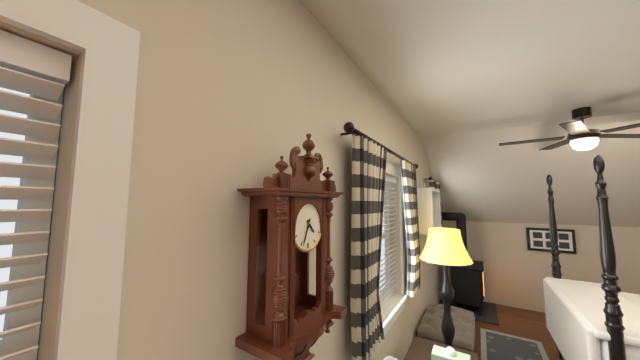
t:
4:34
